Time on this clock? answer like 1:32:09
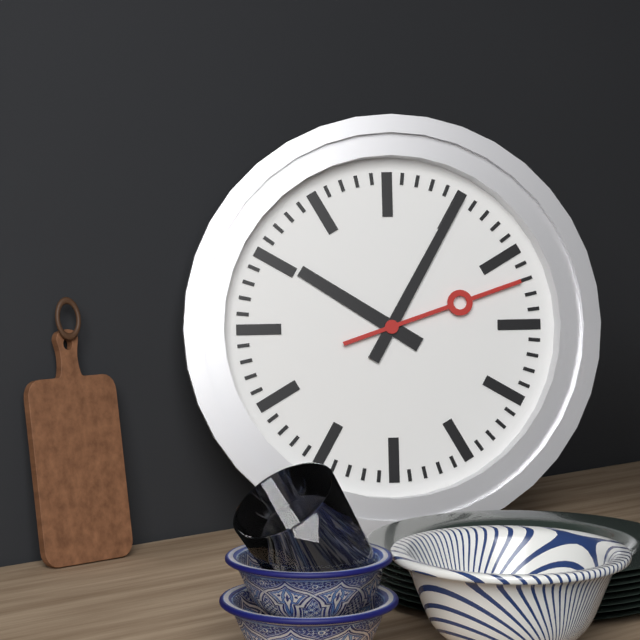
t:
10:05:12
